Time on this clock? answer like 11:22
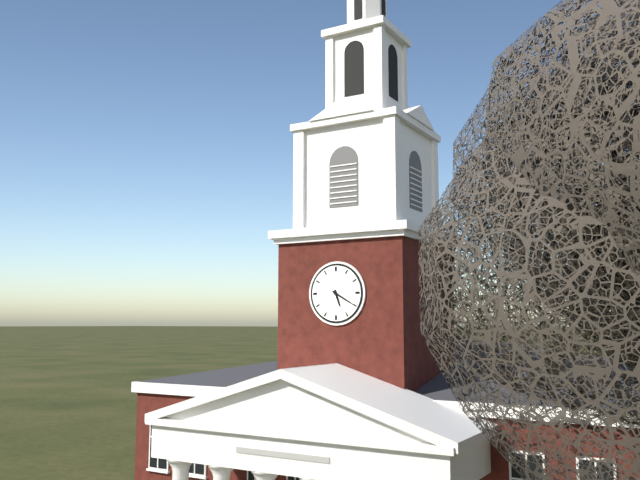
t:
5:20
